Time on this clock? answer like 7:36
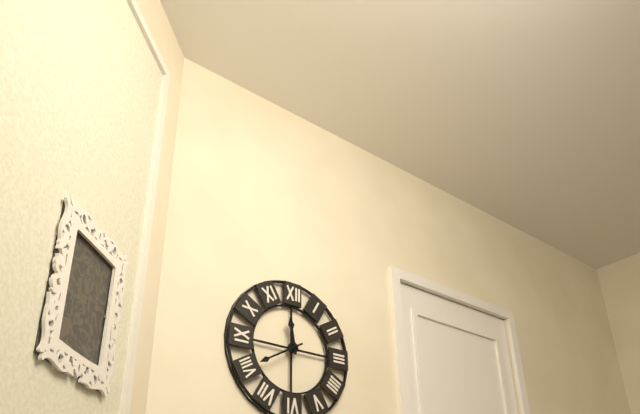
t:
11:40
